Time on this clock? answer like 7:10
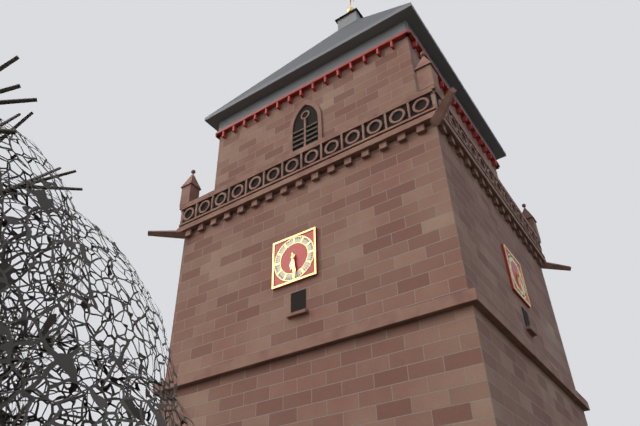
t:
6:29
